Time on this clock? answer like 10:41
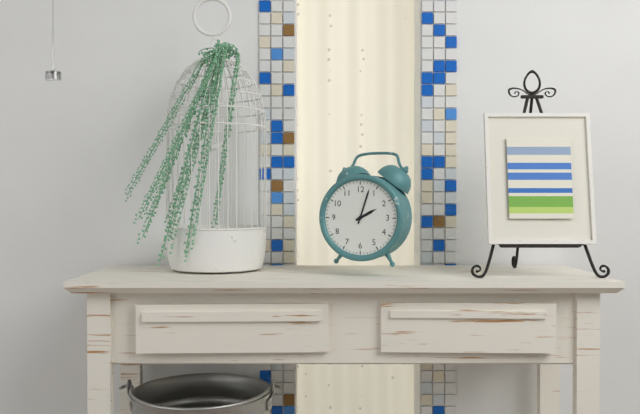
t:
2:03
